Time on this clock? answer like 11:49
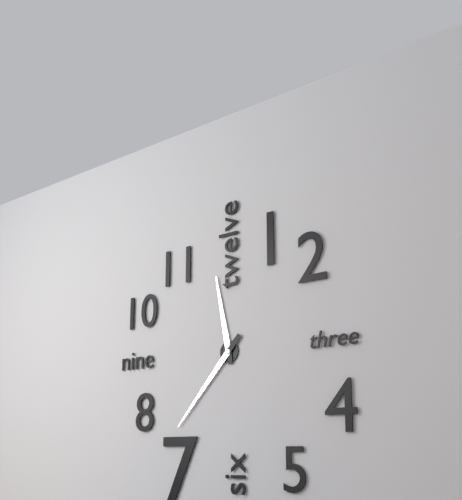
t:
11:37
